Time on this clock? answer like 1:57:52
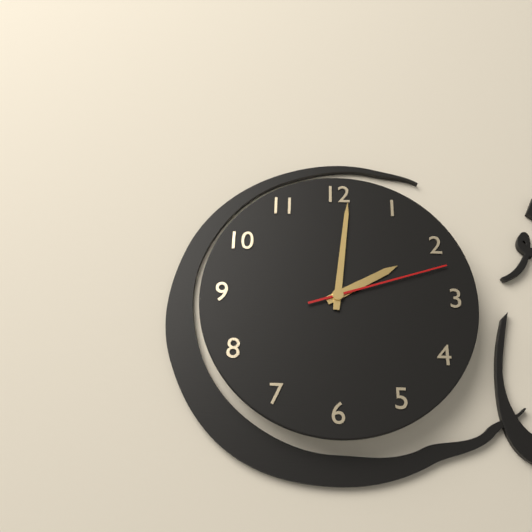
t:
2:01:12
